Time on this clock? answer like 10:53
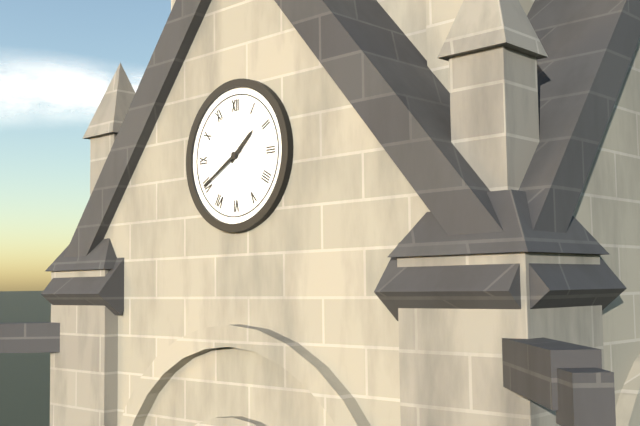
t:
1:40
